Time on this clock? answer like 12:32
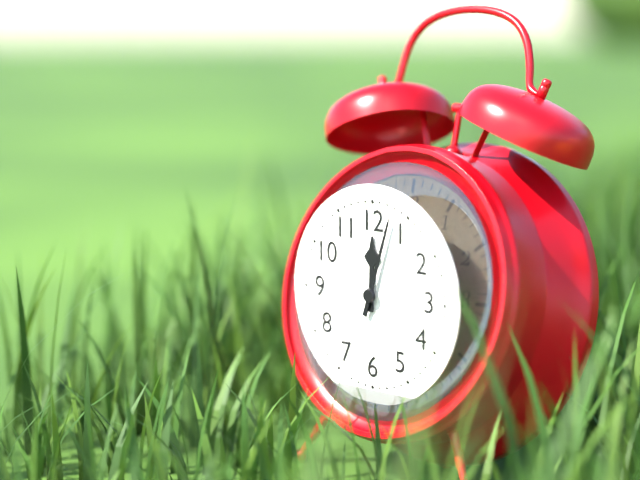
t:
12:03
